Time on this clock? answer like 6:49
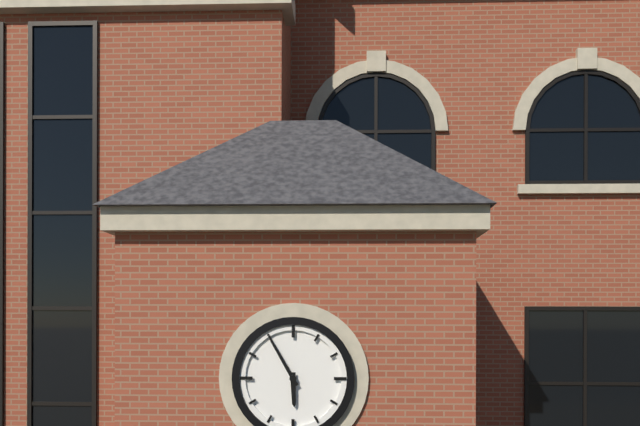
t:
5:55
